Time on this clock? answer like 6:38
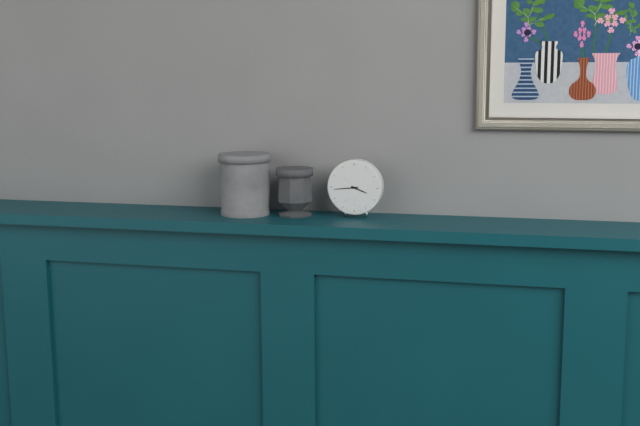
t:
3:44
